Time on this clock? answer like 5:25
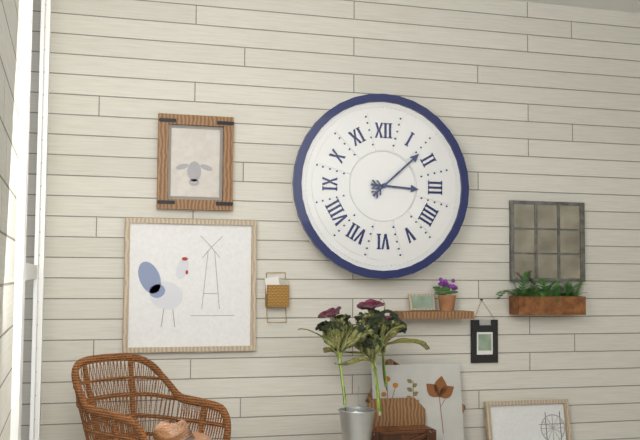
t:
3:08
